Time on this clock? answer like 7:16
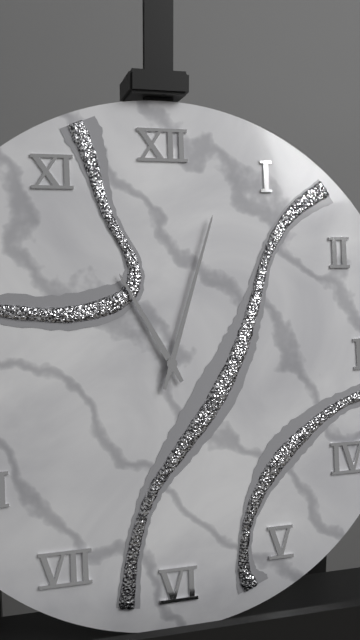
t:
11:03
